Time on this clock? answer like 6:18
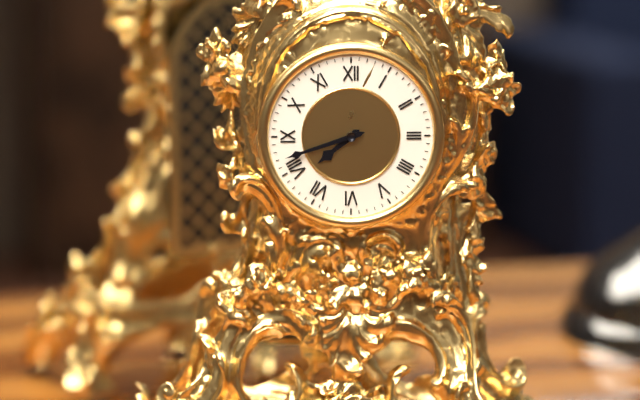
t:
7:42
